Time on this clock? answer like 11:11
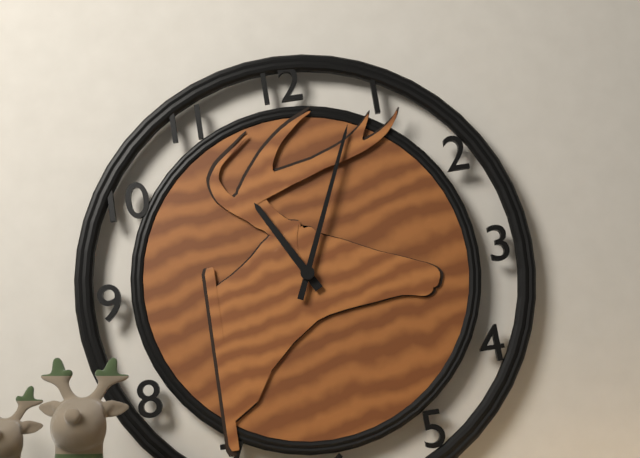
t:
11:04
